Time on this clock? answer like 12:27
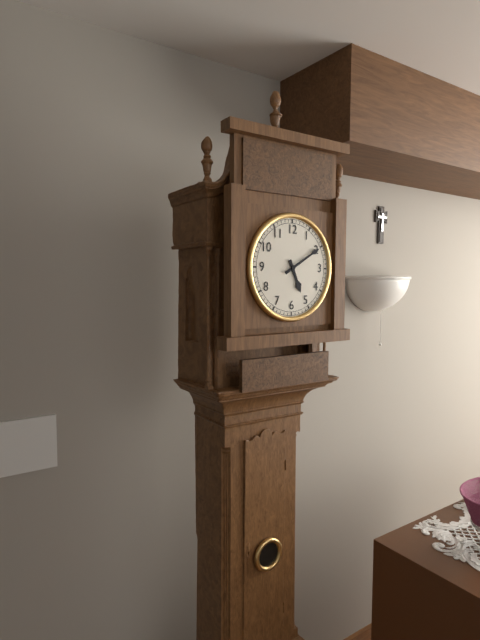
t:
5:10
